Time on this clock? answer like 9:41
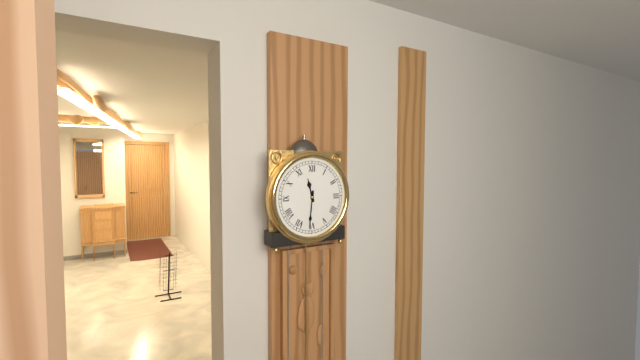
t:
11:31
